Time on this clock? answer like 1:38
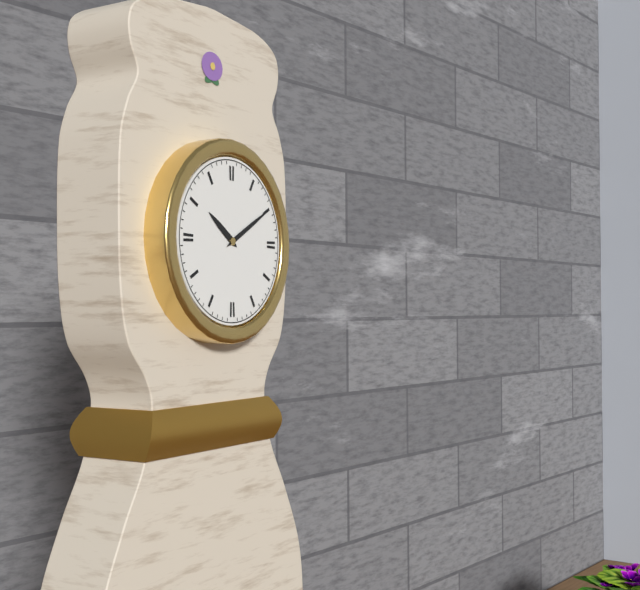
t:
10:10
